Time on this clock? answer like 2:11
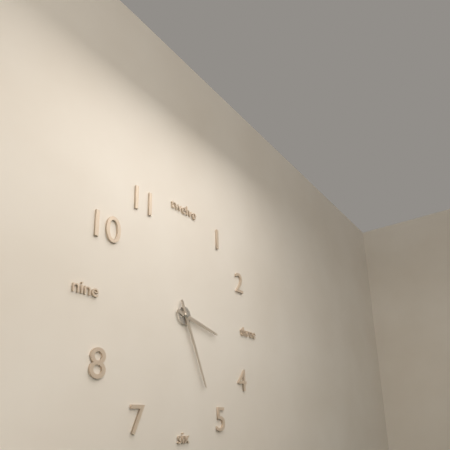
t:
3:26
